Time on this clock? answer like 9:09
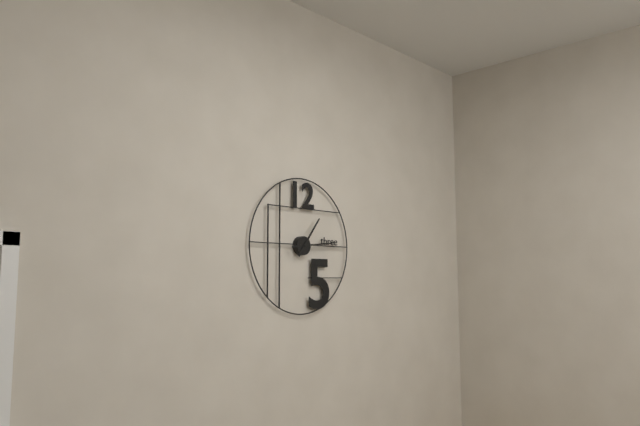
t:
1:14
